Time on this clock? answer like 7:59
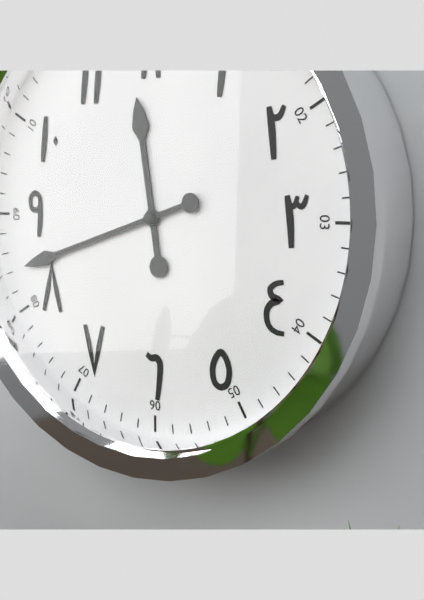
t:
11:42
